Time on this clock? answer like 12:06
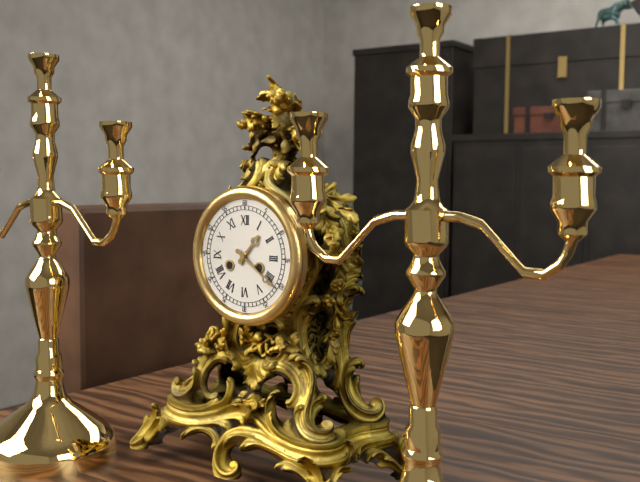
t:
1:21
